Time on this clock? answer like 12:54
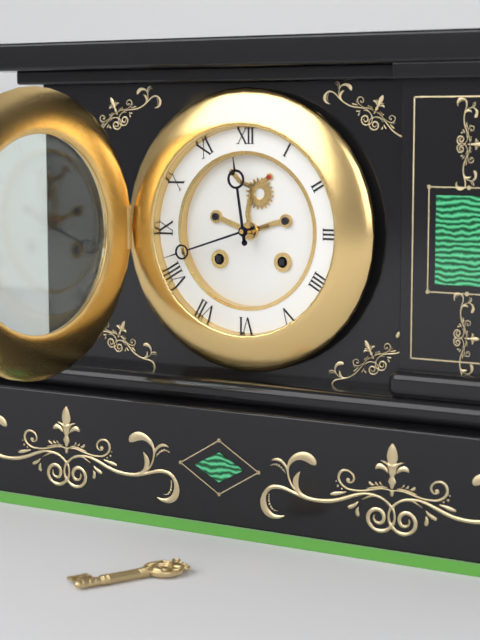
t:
11:42
